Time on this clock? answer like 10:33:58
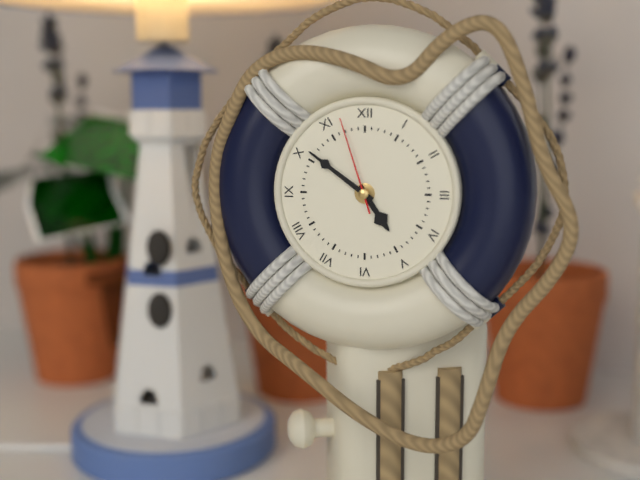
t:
4:51:57
